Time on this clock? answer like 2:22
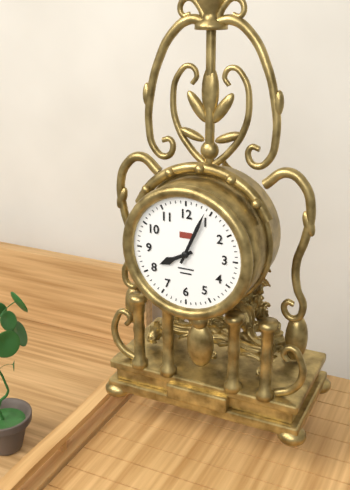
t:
8:04
